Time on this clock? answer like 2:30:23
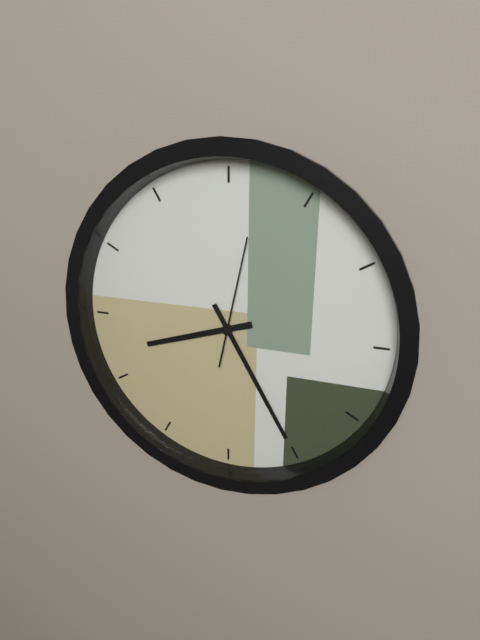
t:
8:25:02
